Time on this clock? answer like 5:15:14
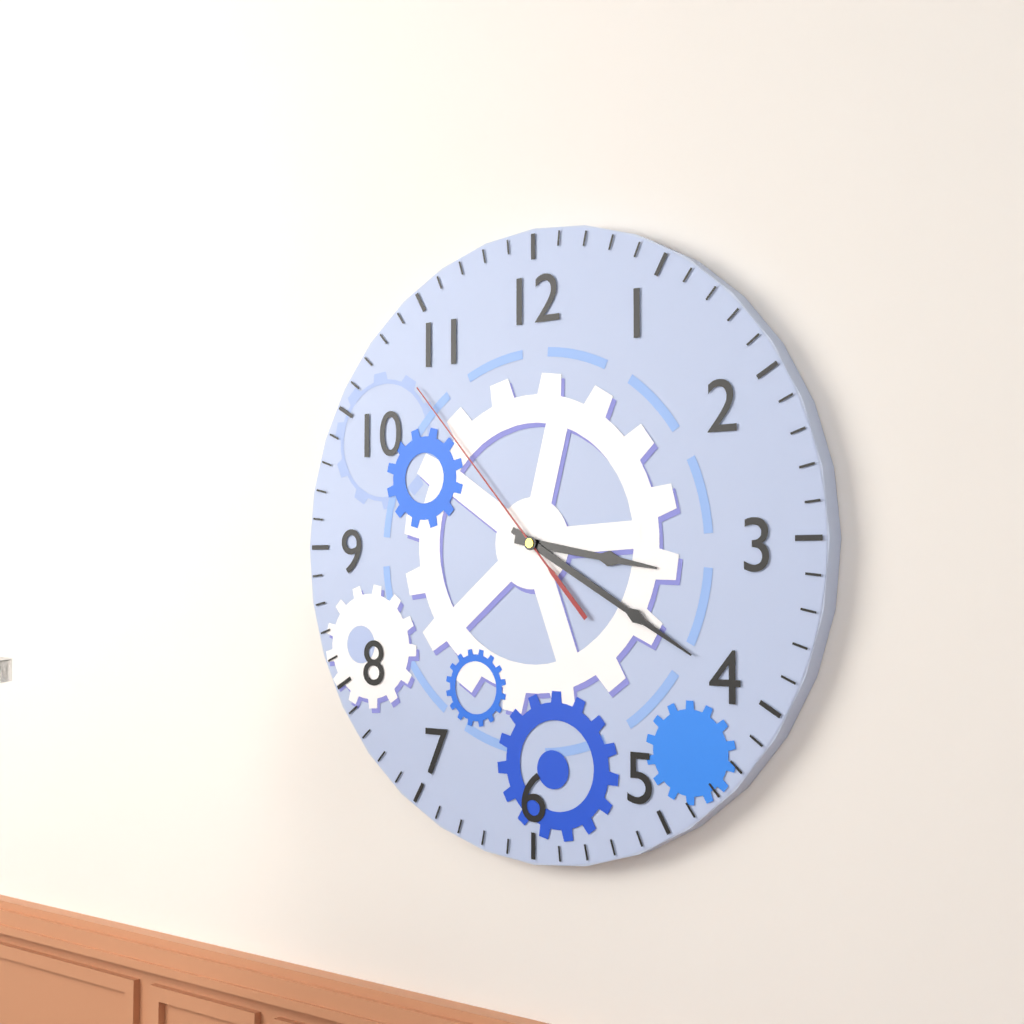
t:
3:20:53
